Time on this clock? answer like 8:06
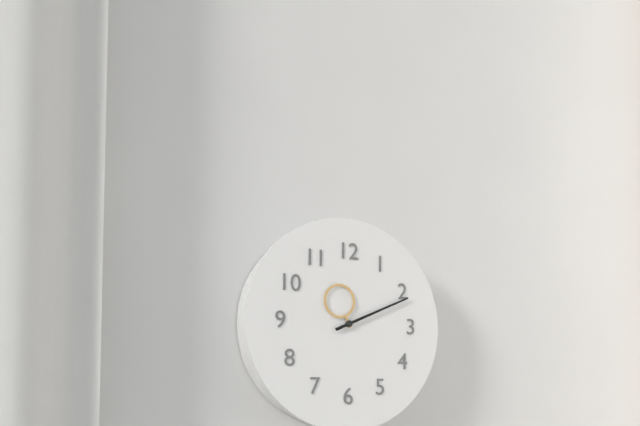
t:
11:11
